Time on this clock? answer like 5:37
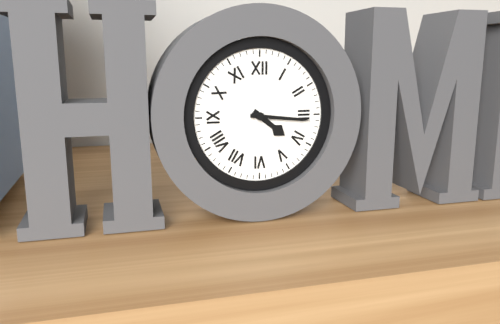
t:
4:16
